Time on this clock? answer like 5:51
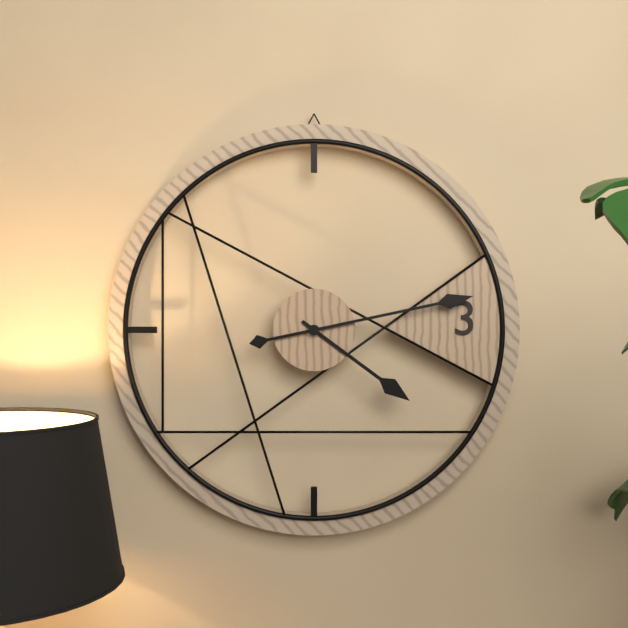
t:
4:13
